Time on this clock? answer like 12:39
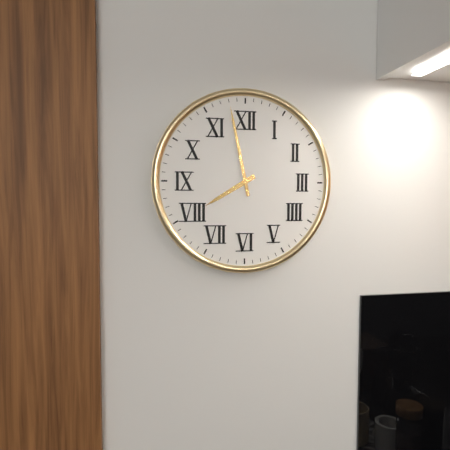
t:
7:58
